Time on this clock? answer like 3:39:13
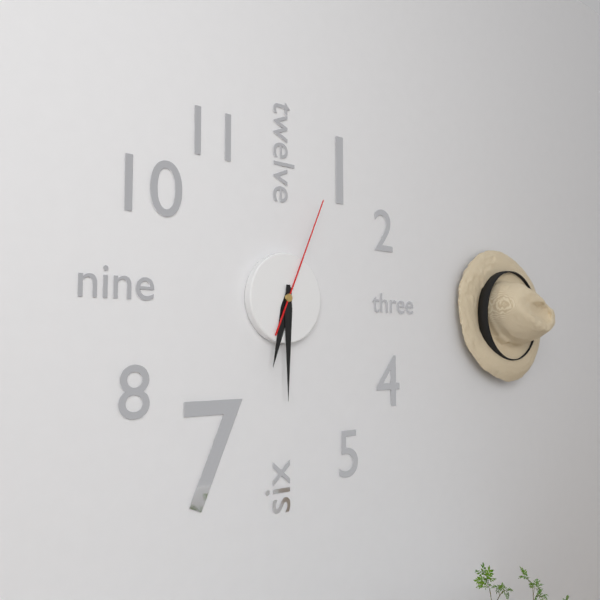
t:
6:30:04
